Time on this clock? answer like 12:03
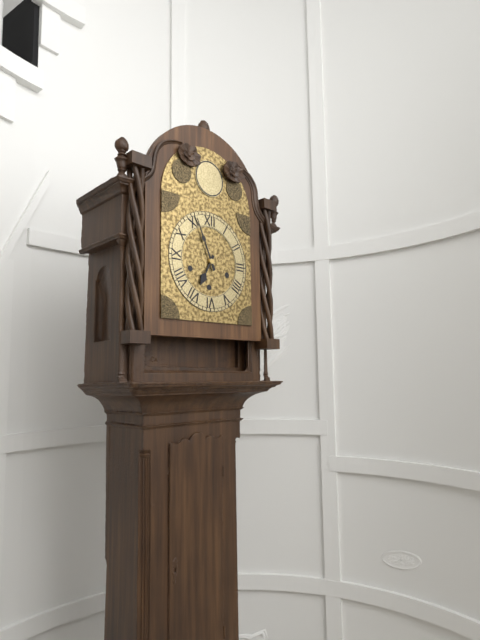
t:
6:56
